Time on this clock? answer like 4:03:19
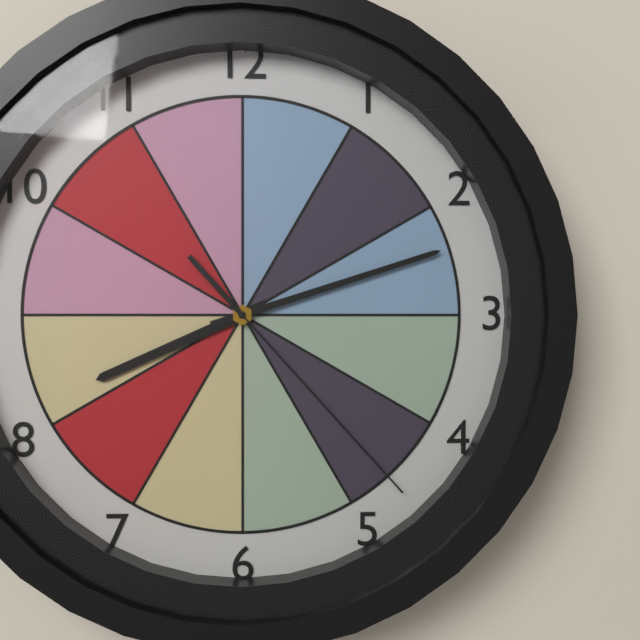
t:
8:12:23
